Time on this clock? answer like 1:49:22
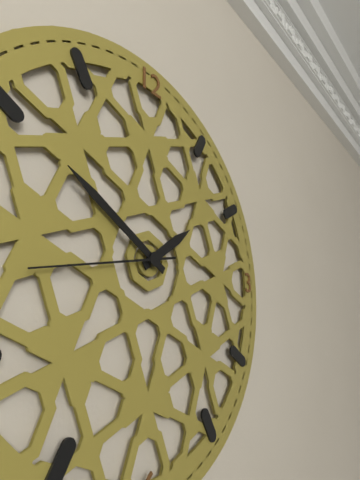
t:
1:50:43
